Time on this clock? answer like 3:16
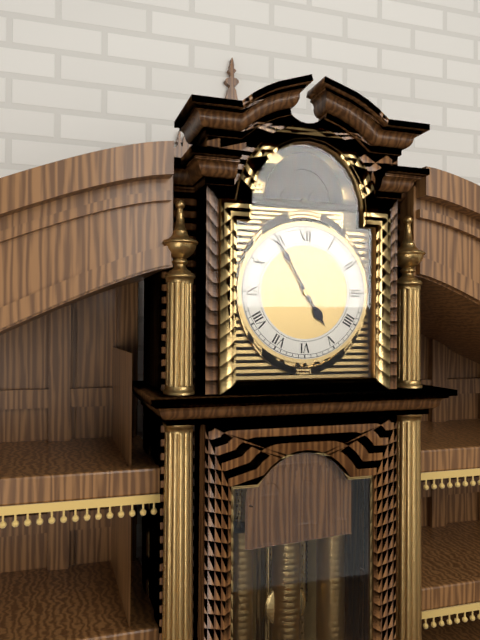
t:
4:55
